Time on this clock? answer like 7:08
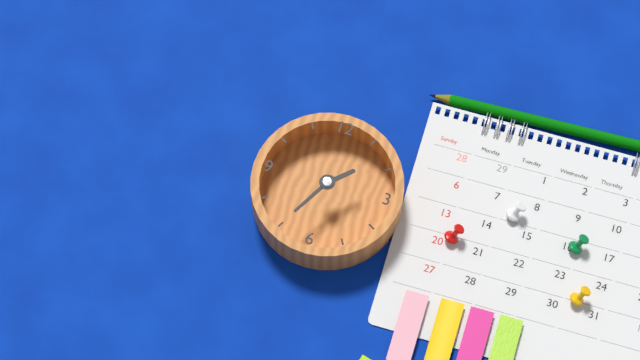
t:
1:35
